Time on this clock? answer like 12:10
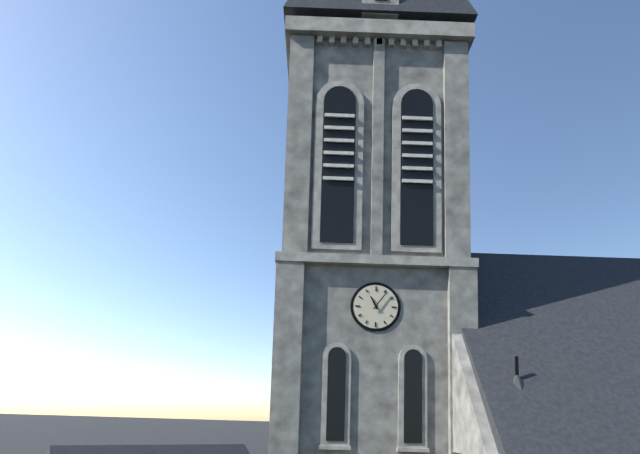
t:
11:06
